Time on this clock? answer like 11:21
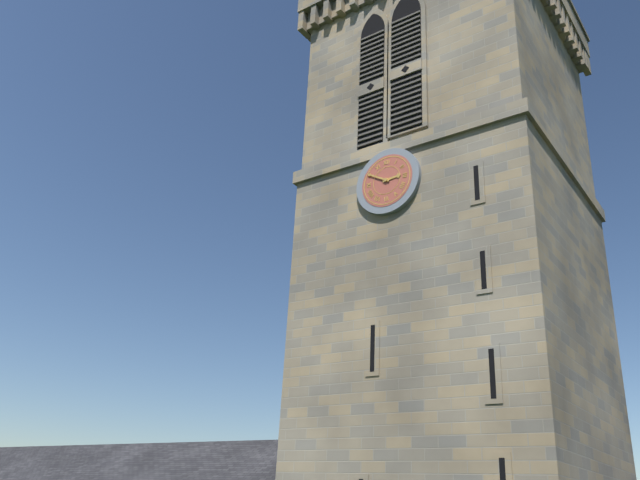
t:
2:50
